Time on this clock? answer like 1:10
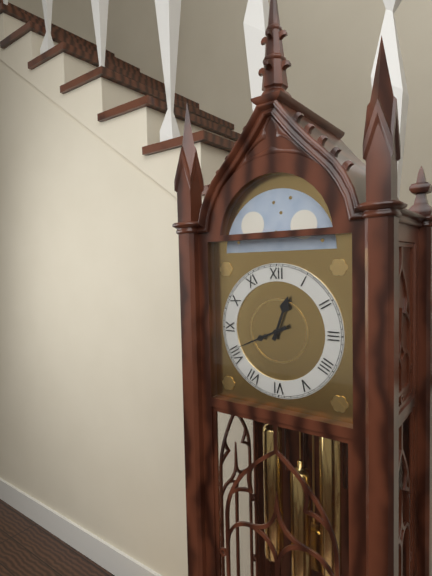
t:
12:41
